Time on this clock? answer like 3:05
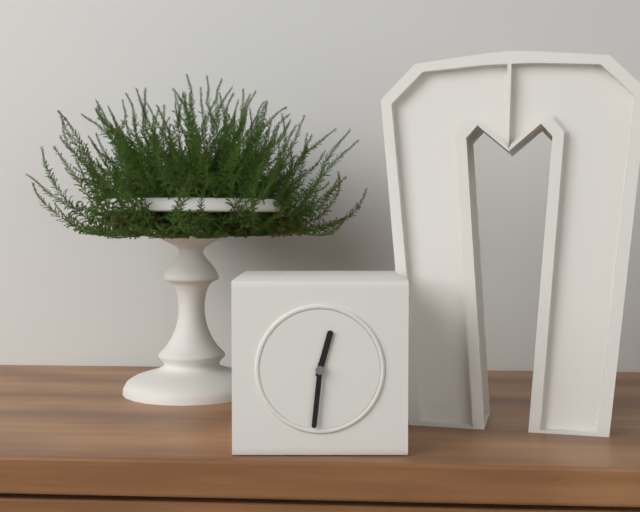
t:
12:31
